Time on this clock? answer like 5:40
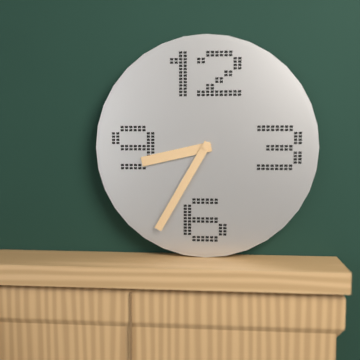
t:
8:35
